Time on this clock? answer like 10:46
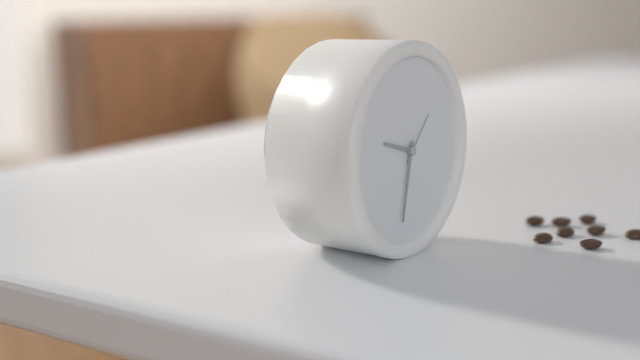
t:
9:32
